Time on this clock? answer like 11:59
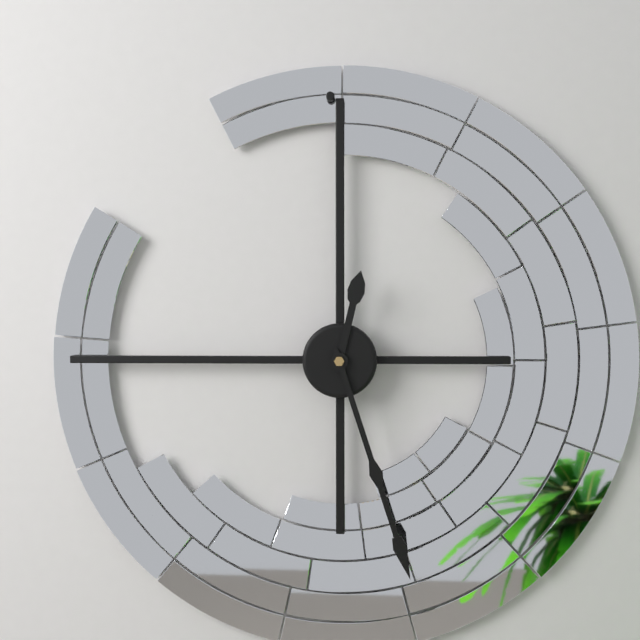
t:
12:27
